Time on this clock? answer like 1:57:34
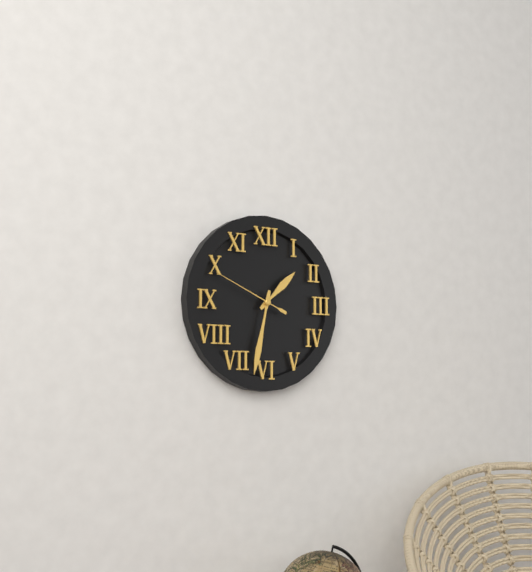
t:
1:32:49
